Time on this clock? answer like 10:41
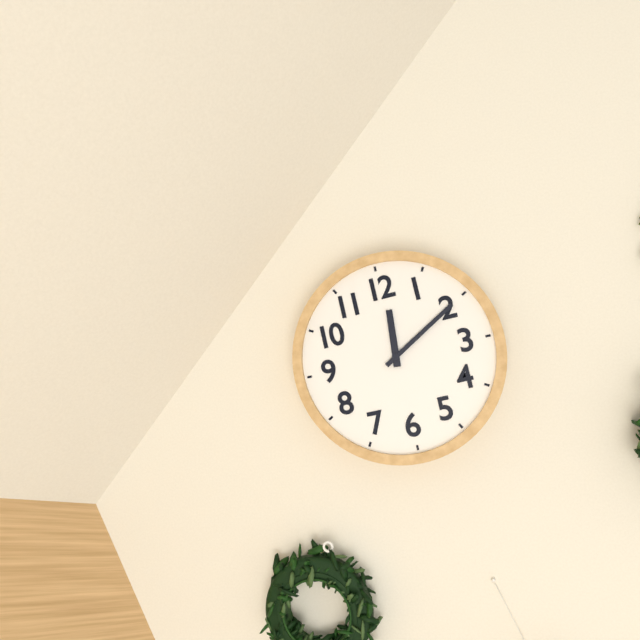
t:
12:10
